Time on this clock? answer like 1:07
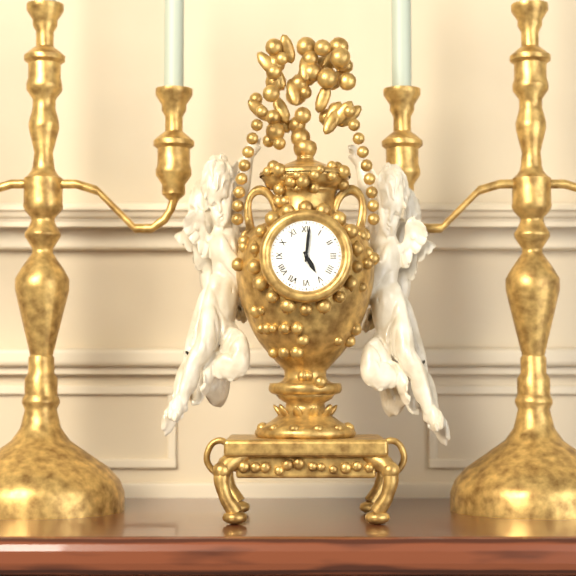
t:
5:01
